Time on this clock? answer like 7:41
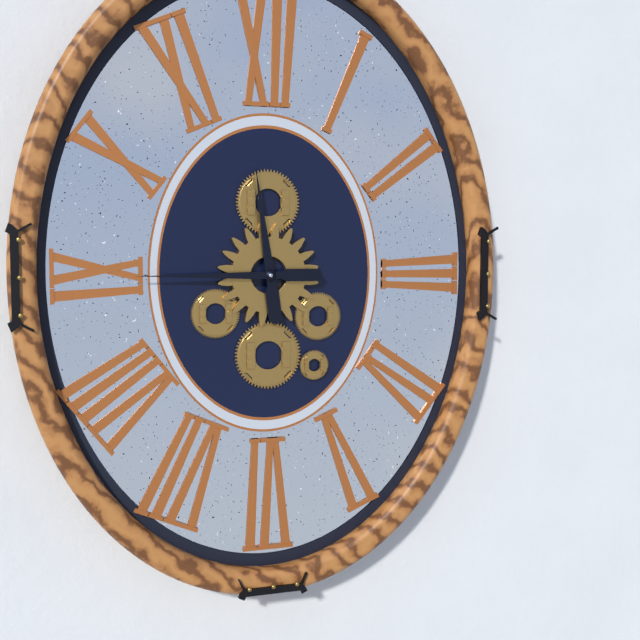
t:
11:45
